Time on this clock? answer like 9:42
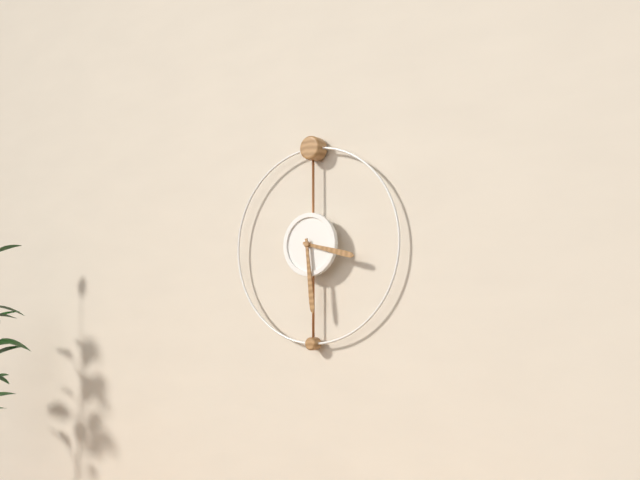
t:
3:29
